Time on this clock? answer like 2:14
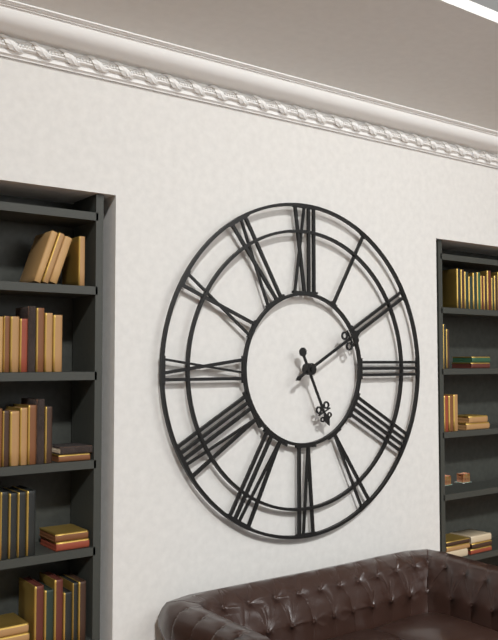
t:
5:10
